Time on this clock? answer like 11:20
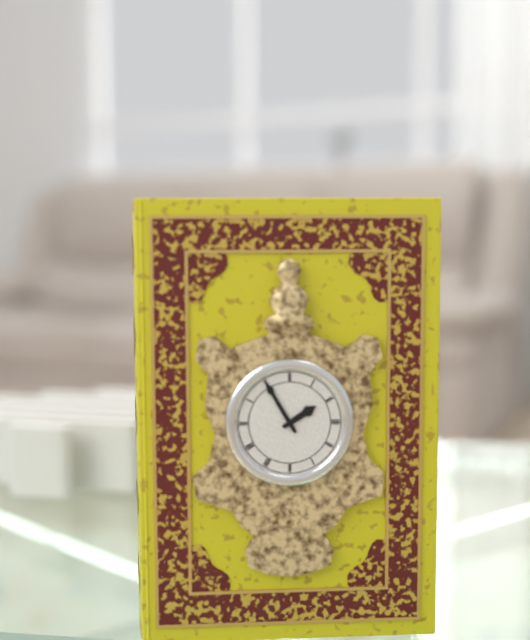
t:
1:55
